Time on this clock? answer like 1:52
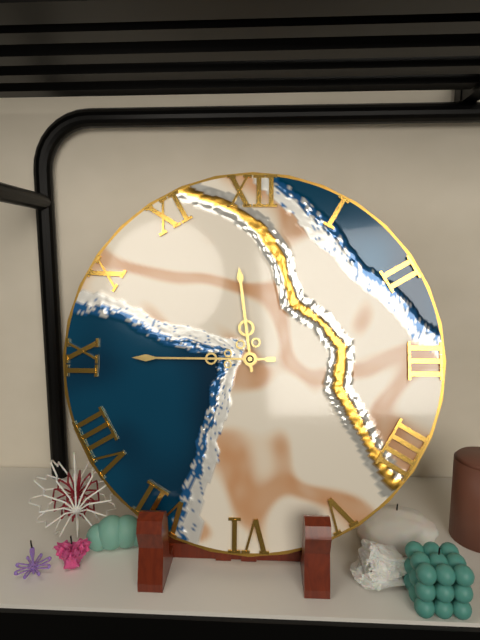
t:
11:45
